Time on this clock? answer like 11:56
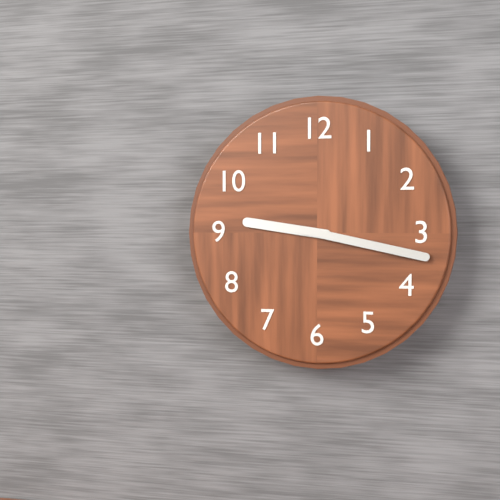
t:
9:17
